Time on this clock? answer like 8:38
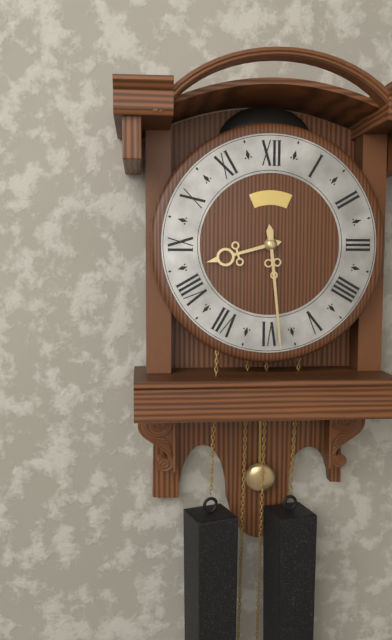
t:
8:29
